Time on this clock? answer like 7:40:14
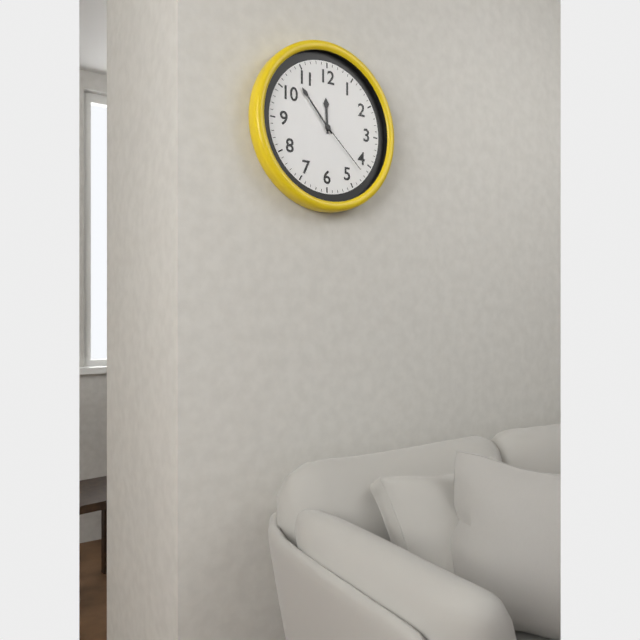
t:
11:53:22
